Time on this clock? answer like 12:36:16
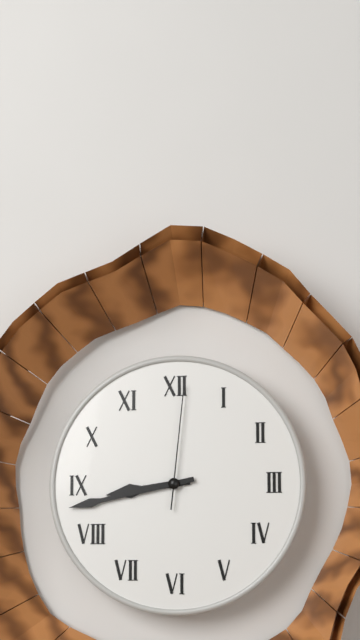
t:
8:43:01
